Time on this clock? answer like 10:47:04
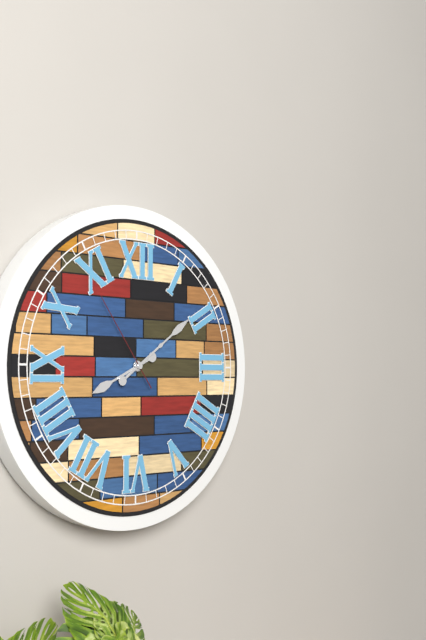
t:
8:09:54
